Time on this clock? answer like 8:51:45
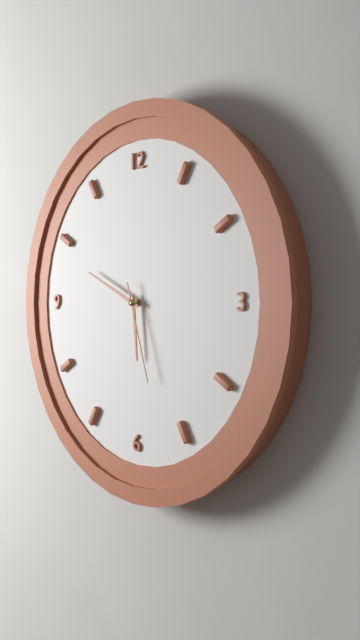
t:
5:49:27
